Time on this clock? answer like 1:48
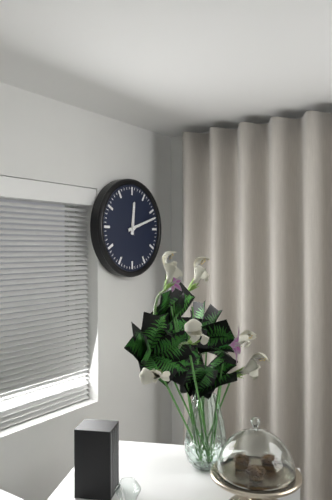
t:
12:12
